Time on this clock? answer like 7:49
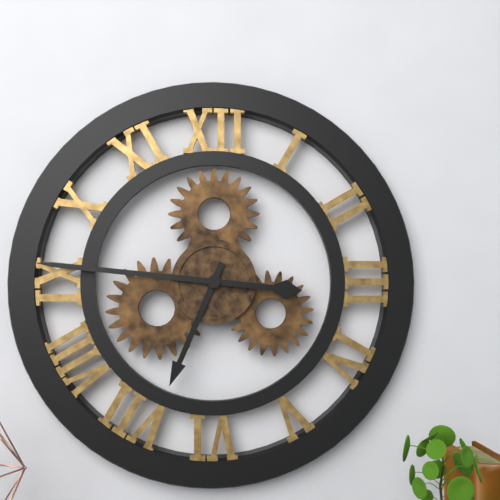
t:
6:46
